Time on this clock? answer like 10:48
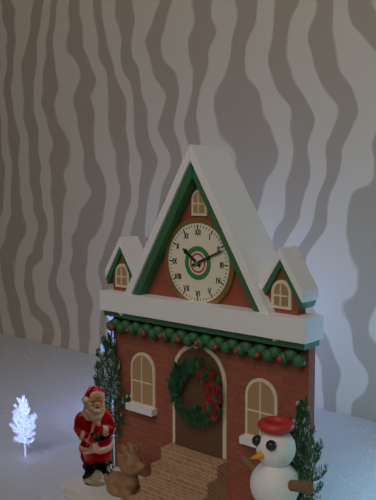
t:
10:11
